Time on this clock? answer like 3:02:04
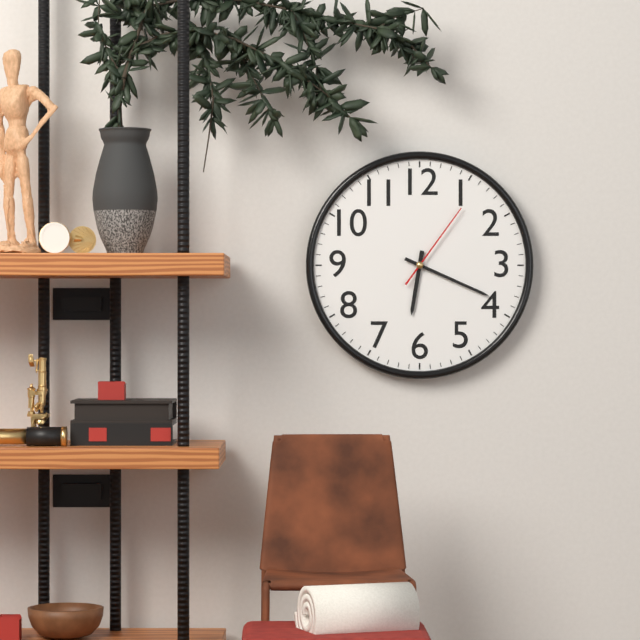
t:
6:19:06
